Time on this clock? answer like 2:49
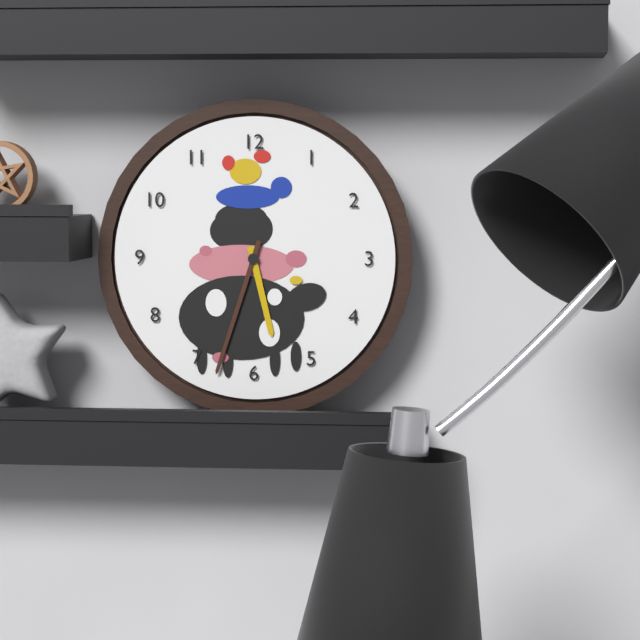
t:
5:33
